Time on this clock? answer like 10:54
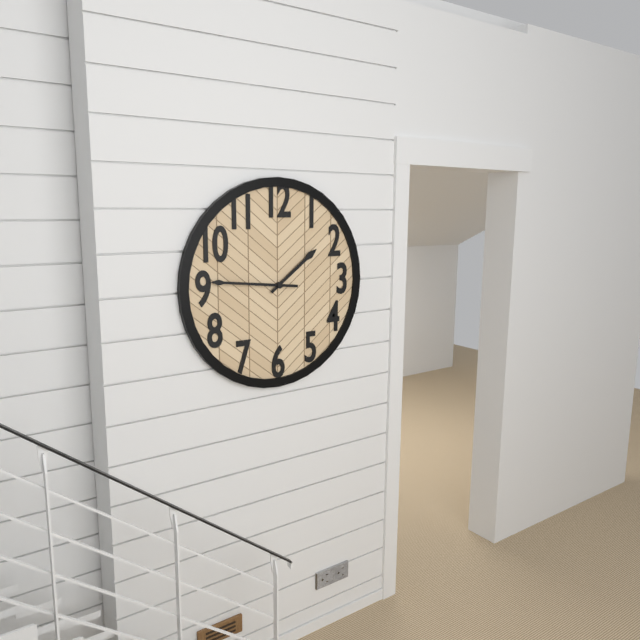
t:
1:46
